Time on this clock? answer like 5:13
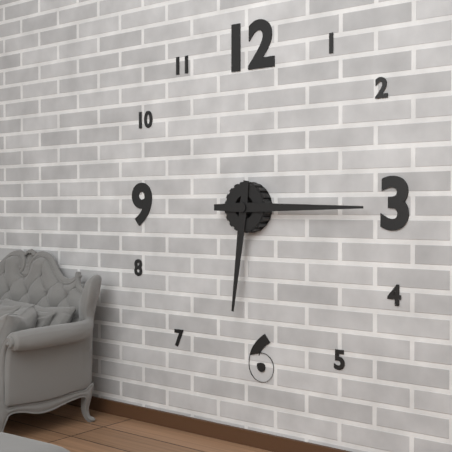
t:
6:15
